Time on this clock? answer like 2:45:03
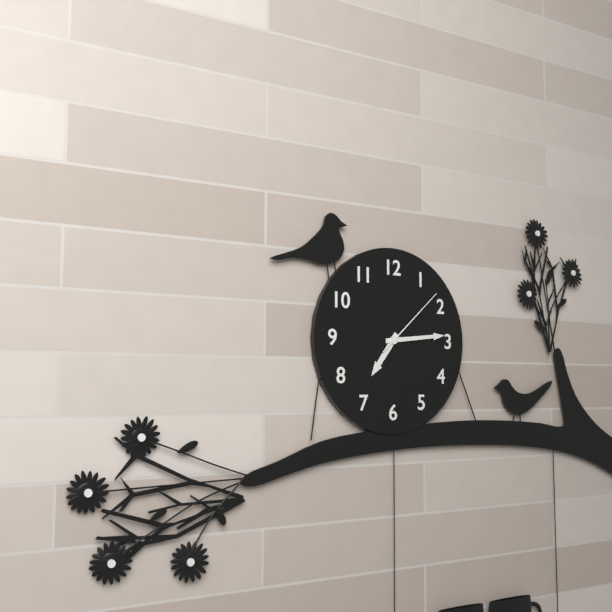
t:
7:14:08
